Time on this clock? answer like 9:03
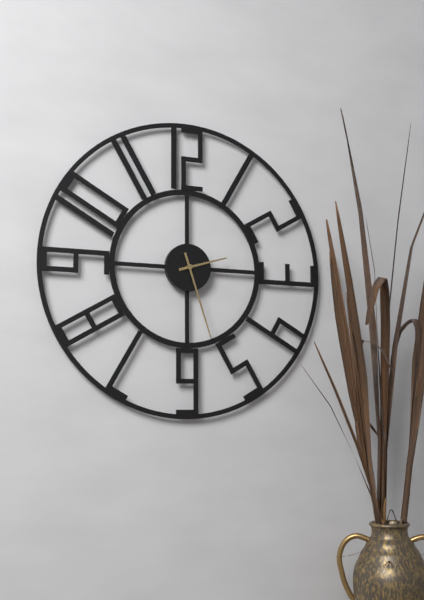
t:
2:27
